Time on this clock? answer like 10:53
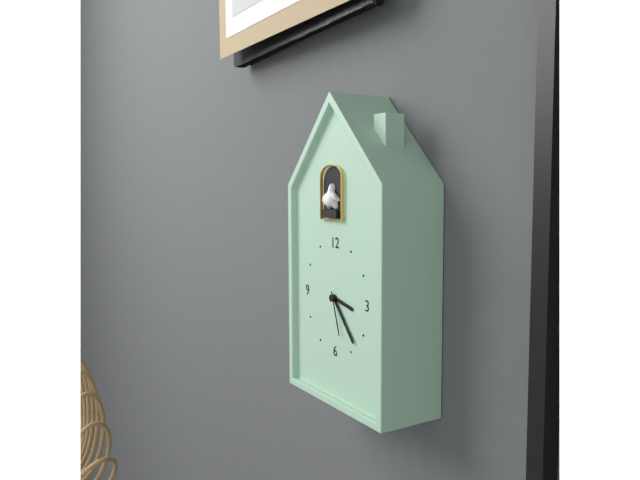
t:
3:23
